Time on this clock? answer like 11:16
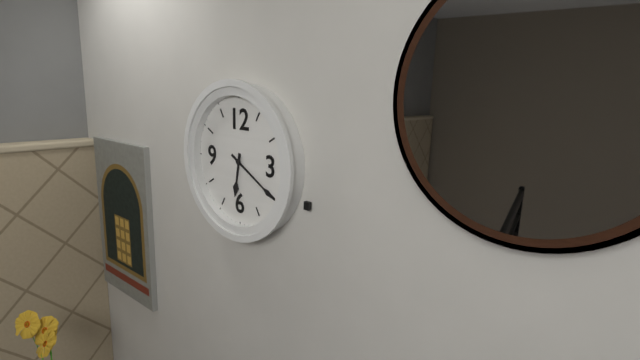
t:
6:20
